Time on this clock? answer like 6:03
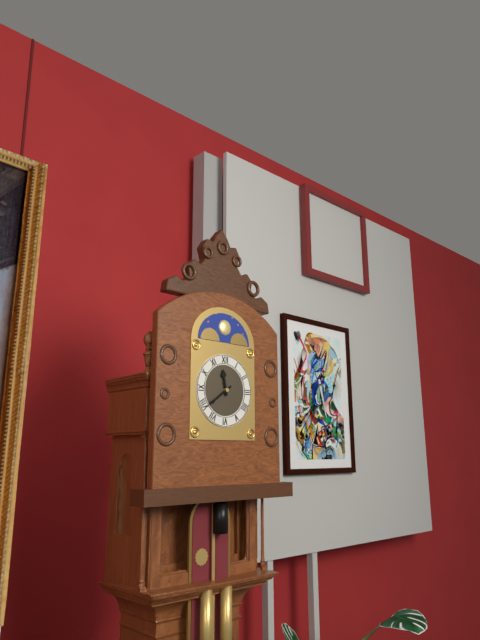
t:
11:39
